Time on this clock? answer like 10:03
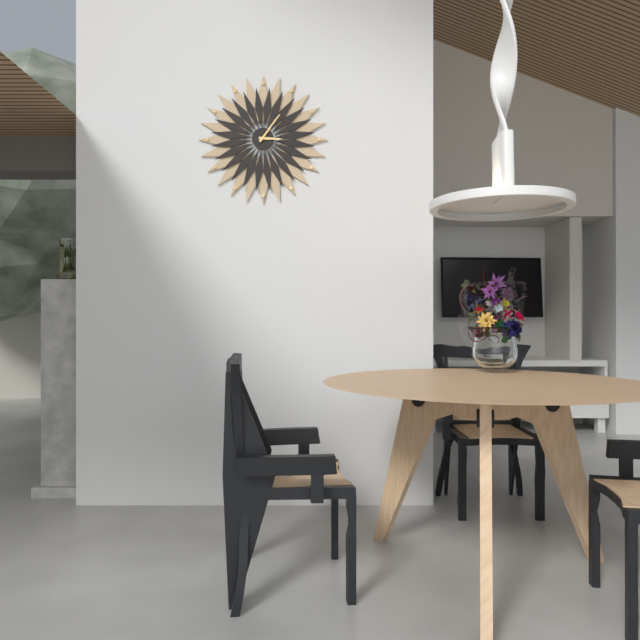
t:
3:06
